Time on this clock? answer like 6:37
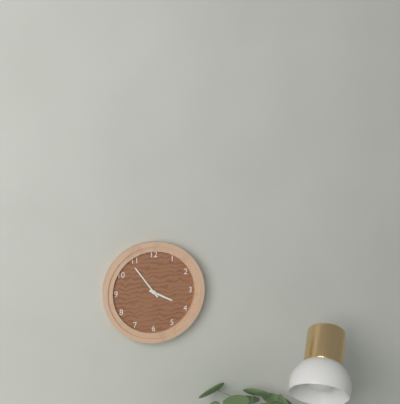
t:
3:54
